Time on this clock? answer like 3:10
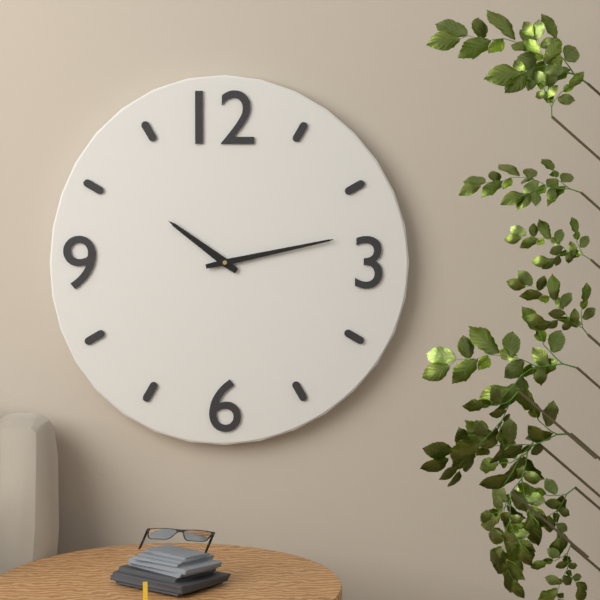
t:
10:13
